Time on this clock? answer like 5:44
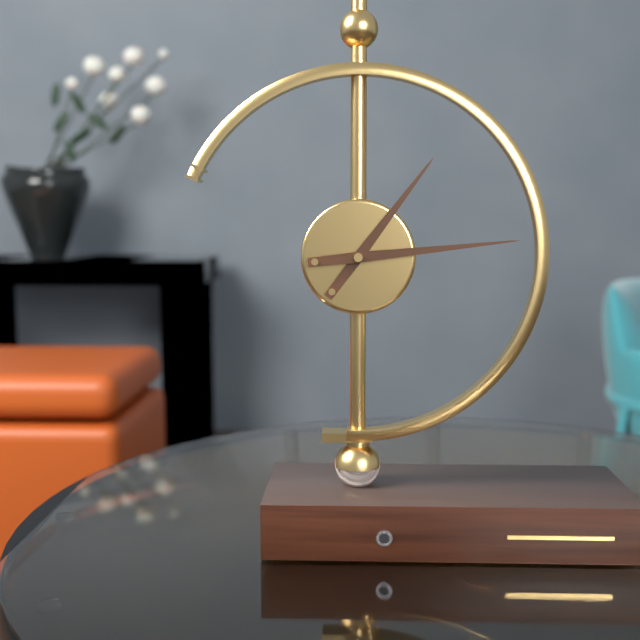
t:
1:14
